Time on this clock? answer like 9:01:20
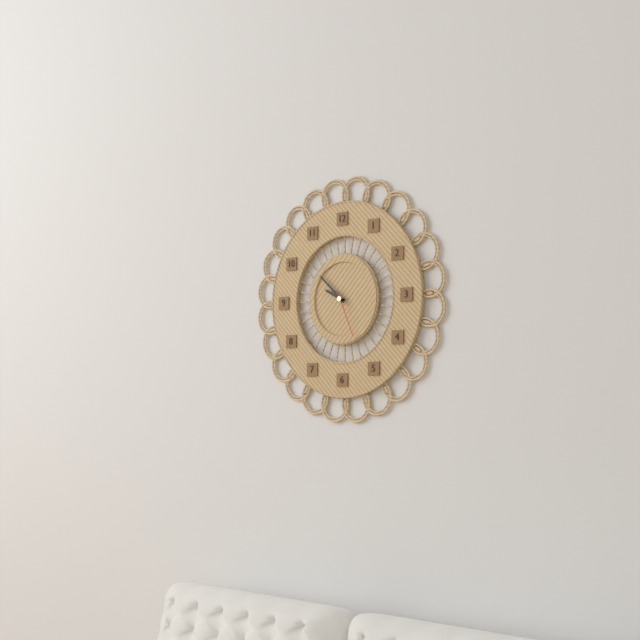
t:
9:52:26
